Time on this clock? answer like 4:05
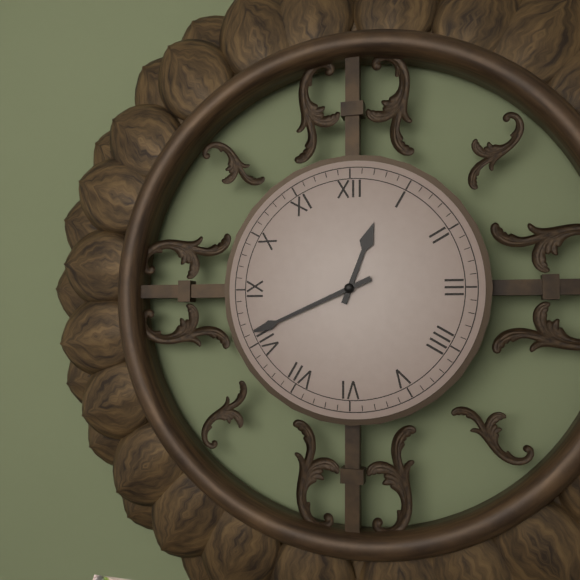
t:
12:41
